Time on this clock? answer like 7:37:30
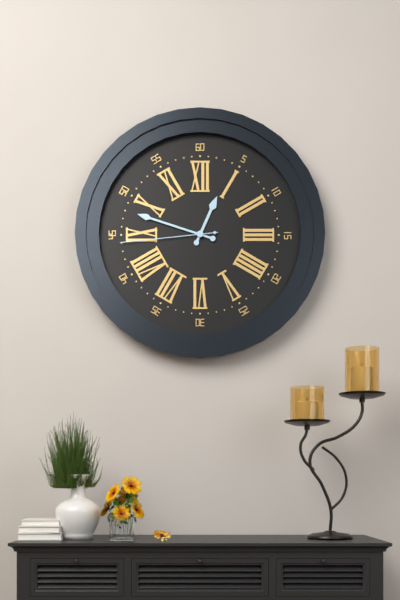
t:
12:48:44
